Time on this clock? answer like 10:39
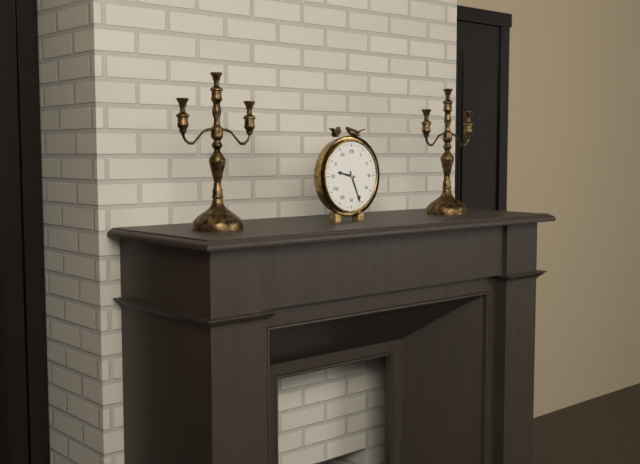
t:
9:26
